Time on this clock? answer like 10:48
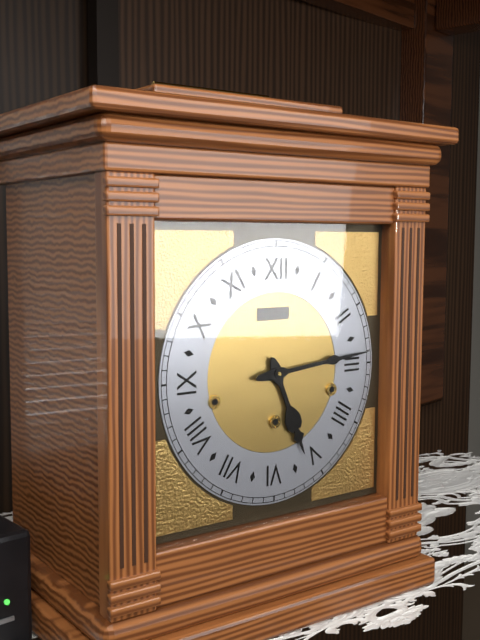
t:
5:14
